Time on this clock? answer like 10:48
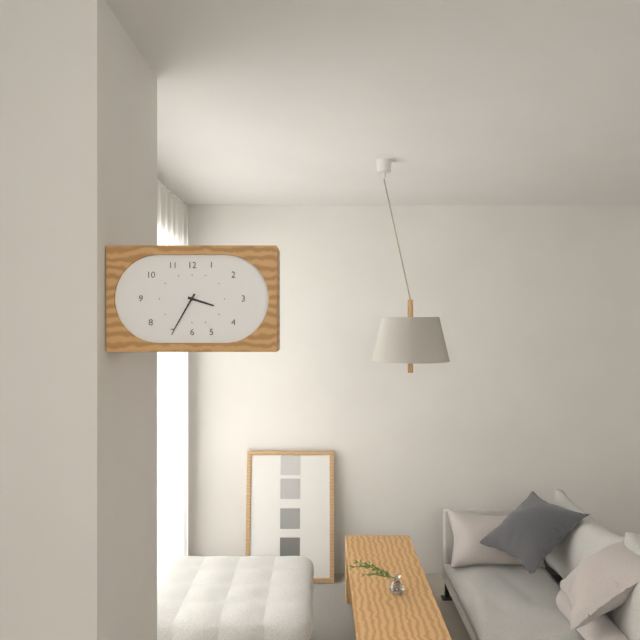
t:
3:35
